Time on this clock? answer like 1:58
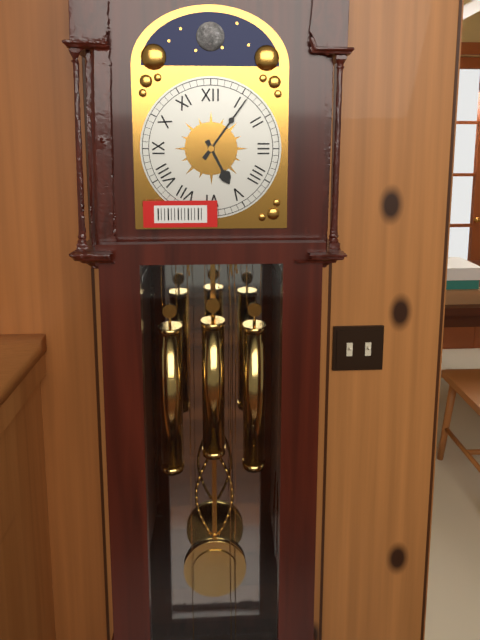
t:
5:06
